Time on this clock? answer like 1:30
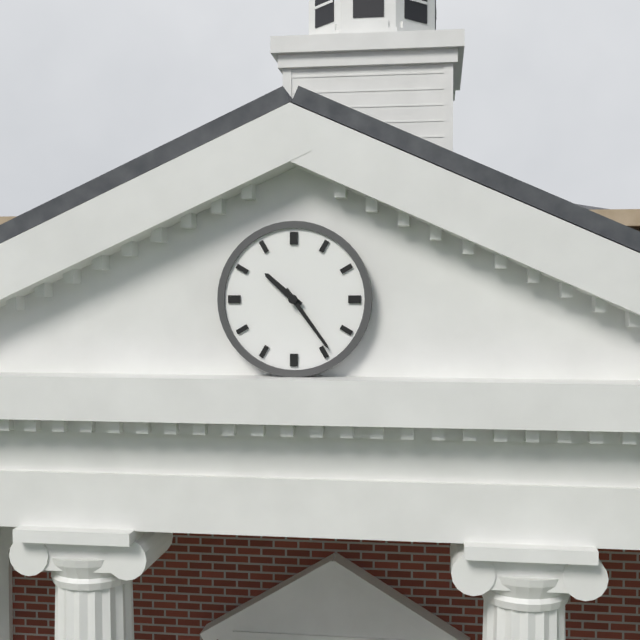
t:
10:24
